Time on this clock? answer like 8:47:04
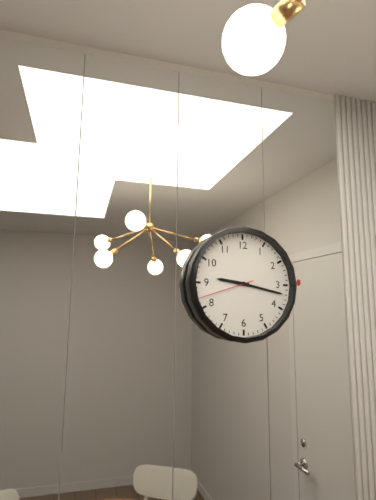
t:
9:17:42
